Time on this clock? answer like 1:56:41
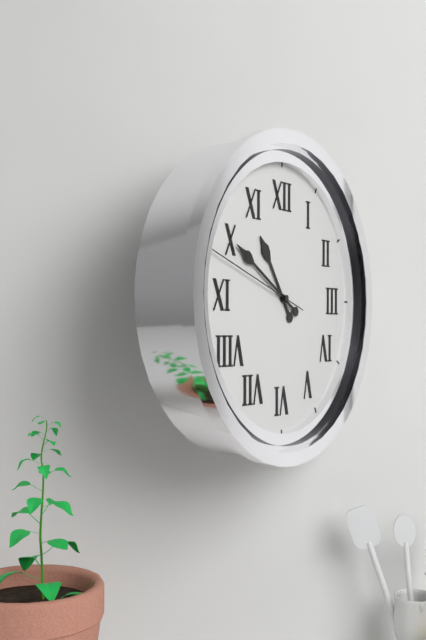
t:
10:50:48
